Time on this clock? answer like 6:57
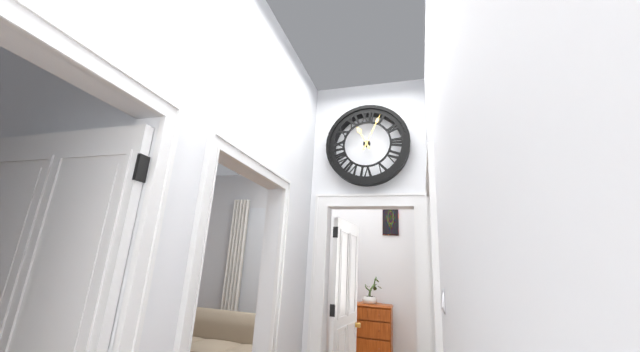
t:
11:04
